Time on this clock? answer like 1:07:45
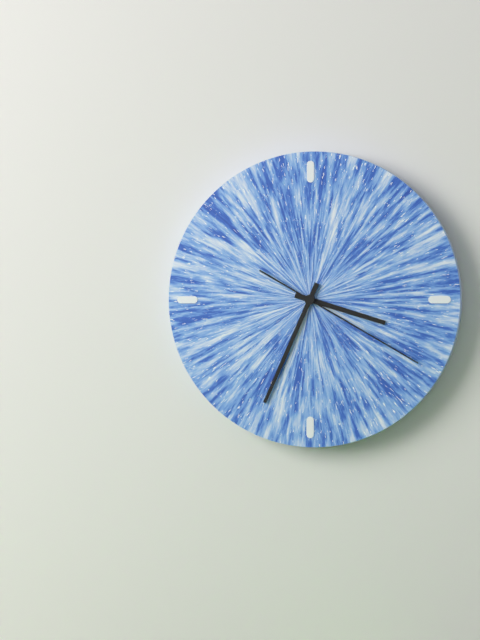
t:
3:34:20
